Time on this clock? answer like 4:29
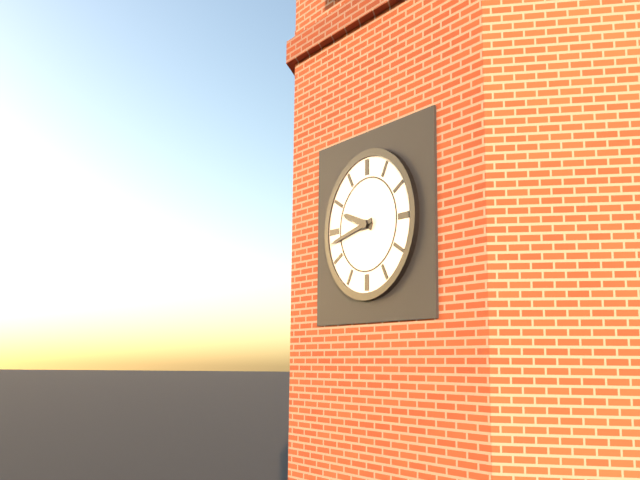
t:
9:43
